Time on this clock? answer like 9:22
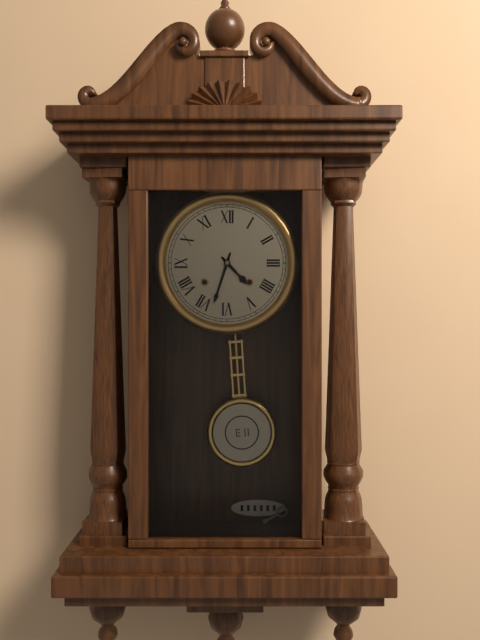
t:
4:33
